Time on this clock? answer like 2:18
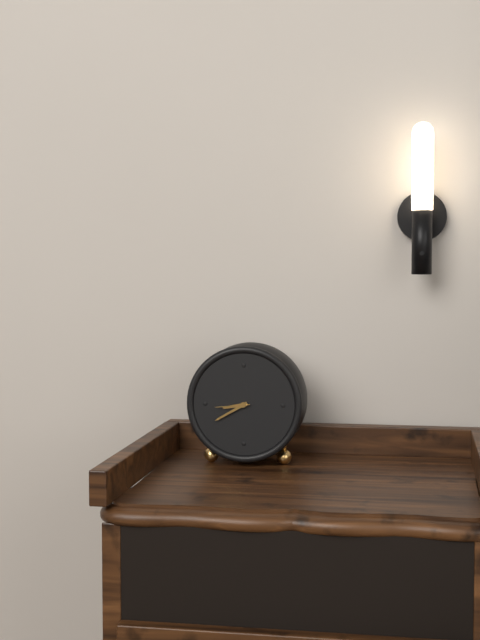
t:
8:40
